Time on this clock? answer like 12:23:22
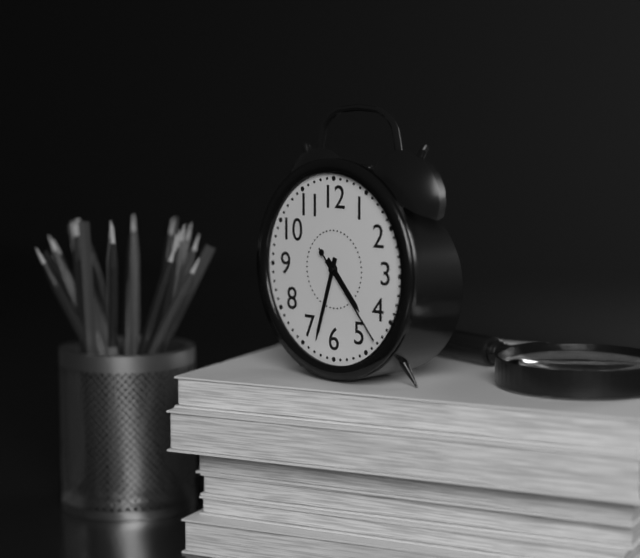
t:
4:33:23
